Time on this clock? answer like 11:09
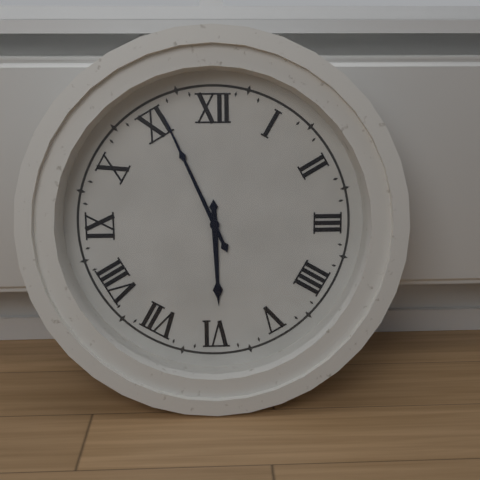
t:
5:56
